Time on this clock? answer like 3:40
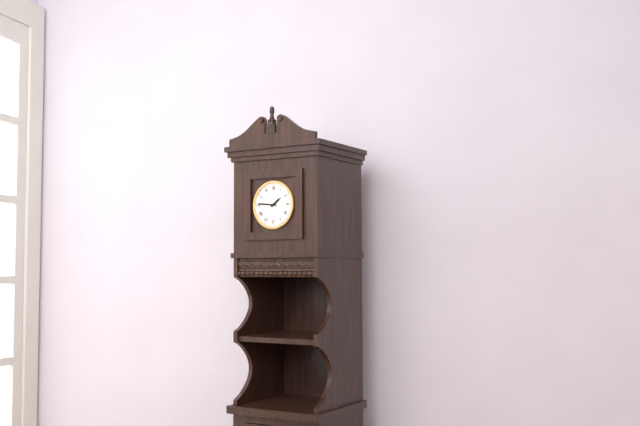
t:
1:46
